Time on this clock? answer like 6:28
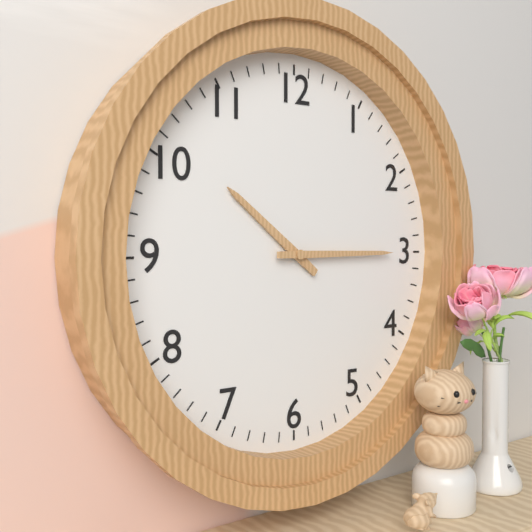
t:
10:15
